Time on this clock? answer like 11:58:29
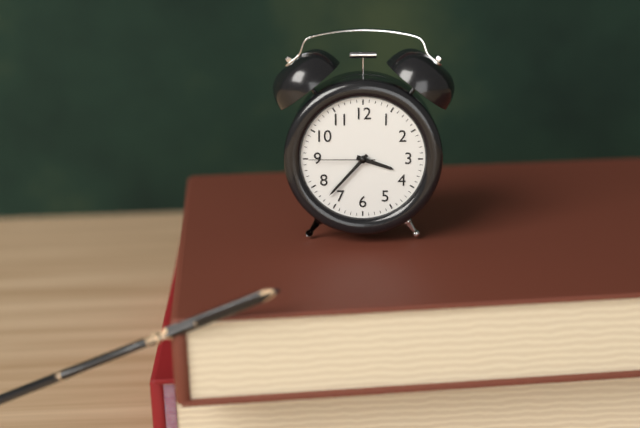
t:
3:37:45
